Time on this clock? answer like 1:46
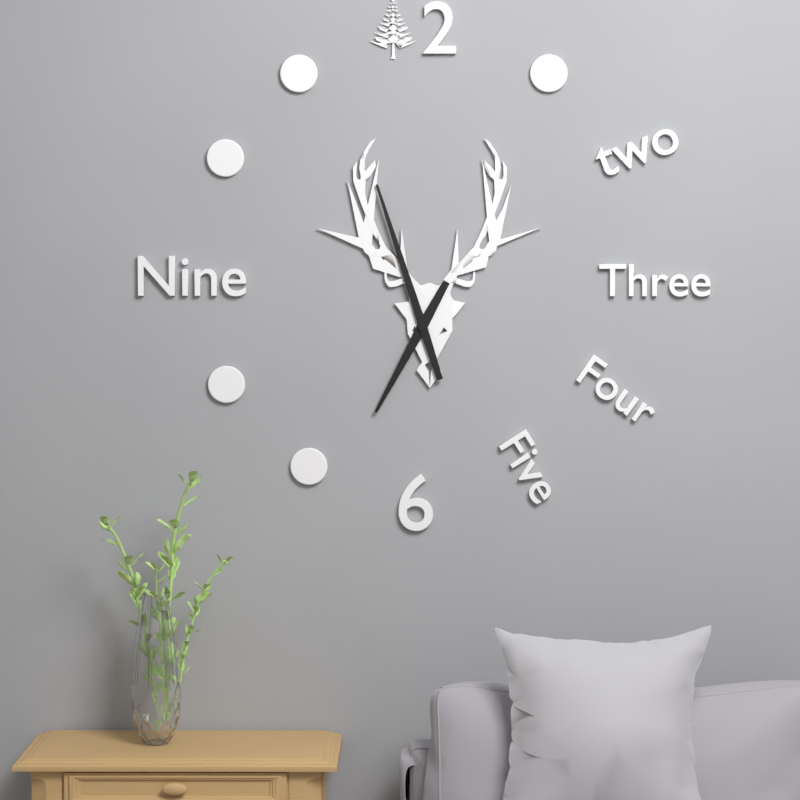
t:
6:57
